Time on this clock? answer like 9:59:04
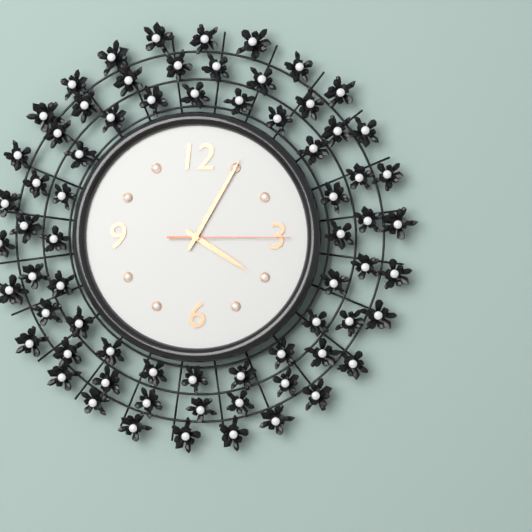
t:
4:05:15
